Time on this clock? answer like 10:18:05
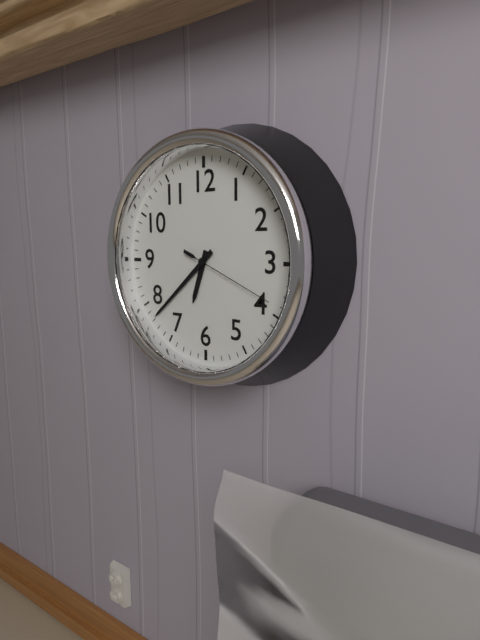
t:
6:38:19
